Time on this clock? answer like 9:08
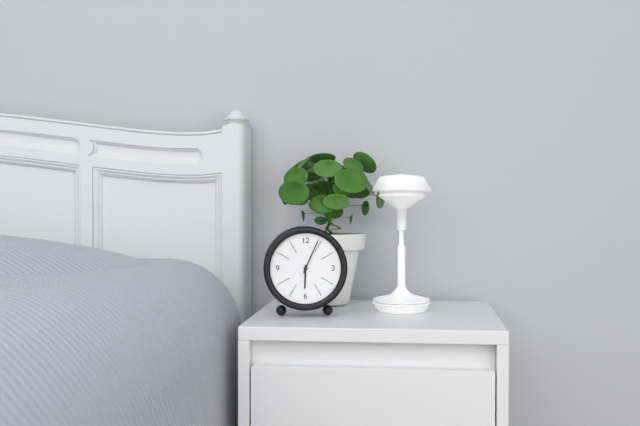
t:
6:04
